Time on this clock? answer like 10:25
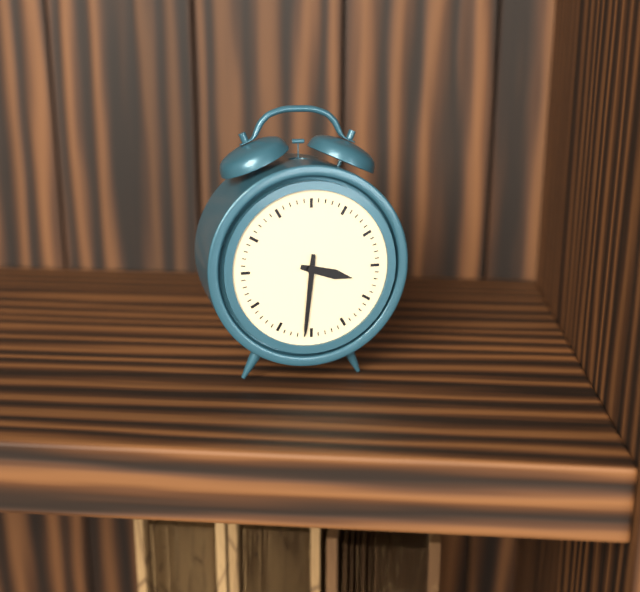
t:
3:31
